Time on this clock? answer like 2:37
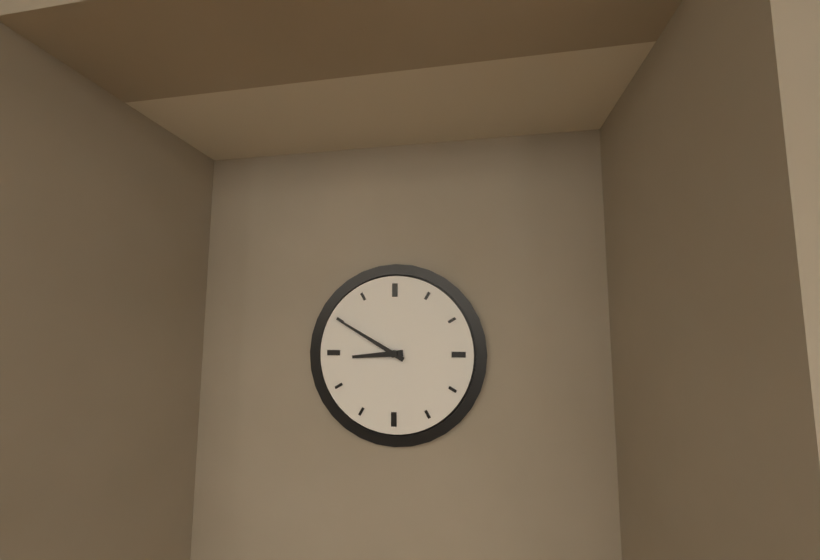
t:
8:50
